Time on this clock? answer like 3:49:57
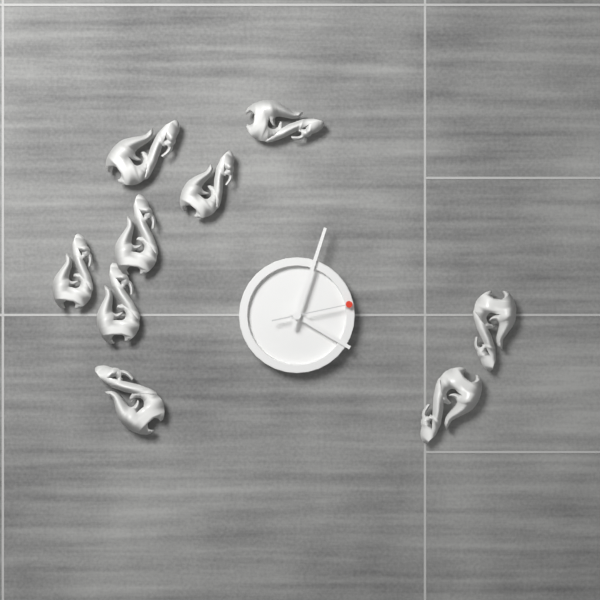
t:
4:03:13
